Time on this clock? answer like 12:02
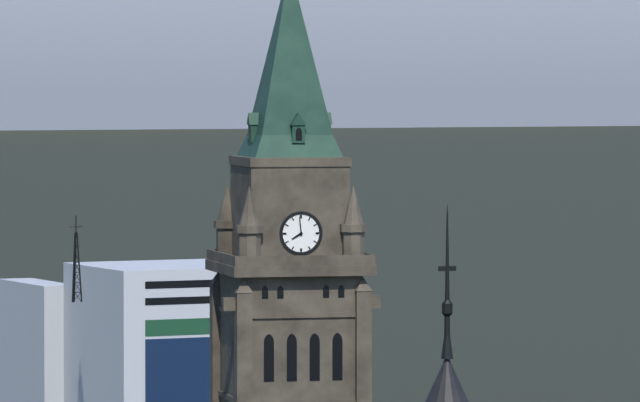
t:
7:59
